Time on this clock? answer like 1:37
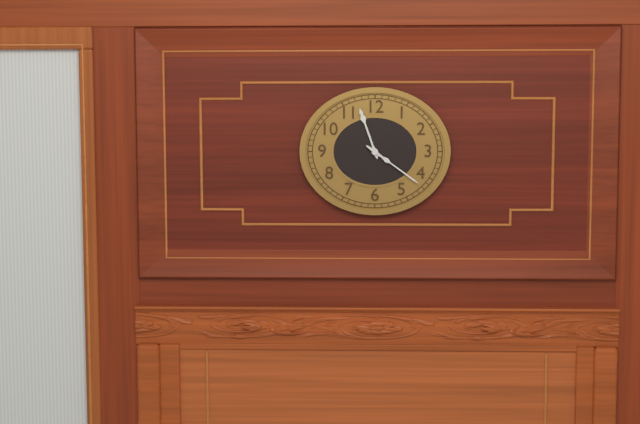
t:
11:21
